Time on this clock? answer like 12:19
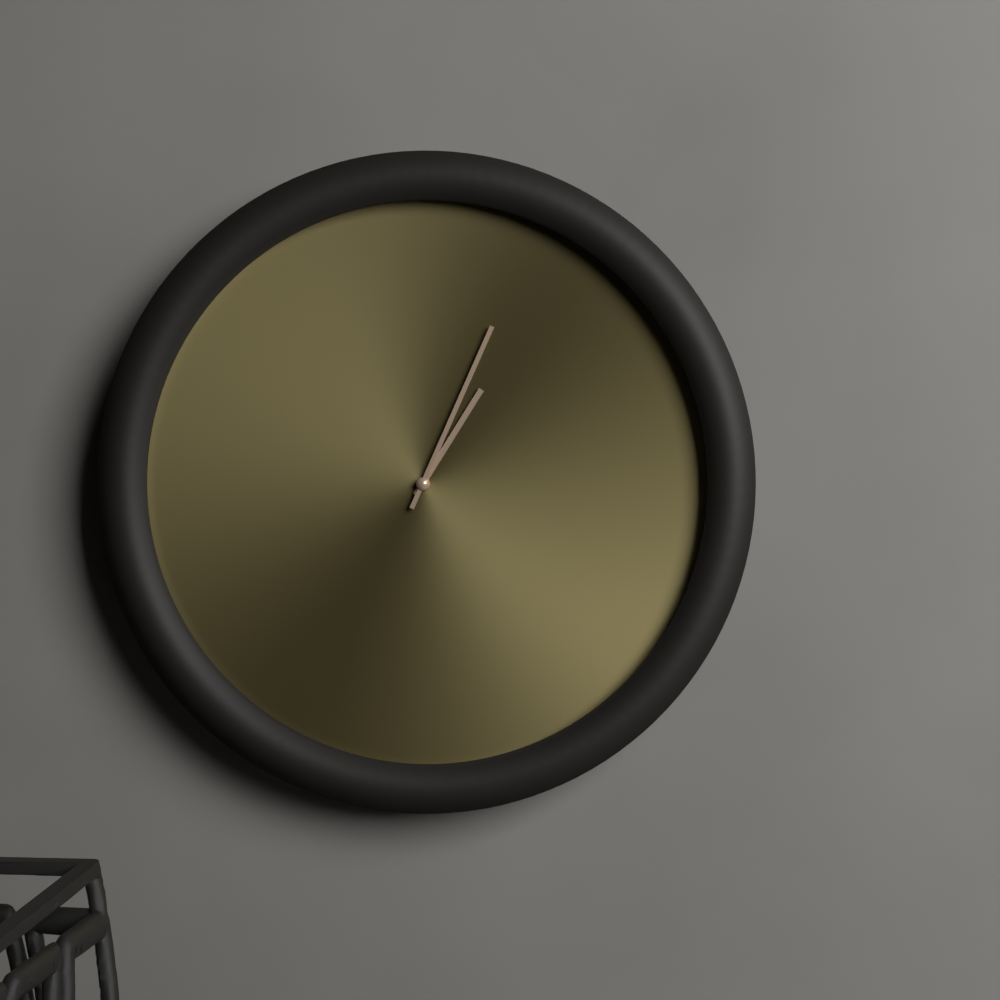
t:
1:04
